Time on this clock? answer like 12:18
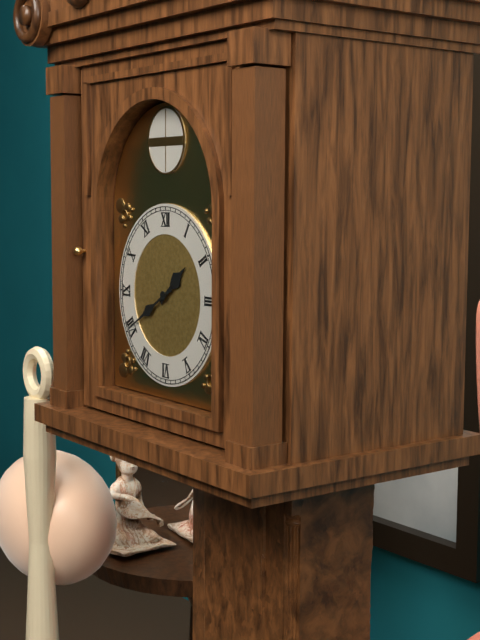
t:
1:40
